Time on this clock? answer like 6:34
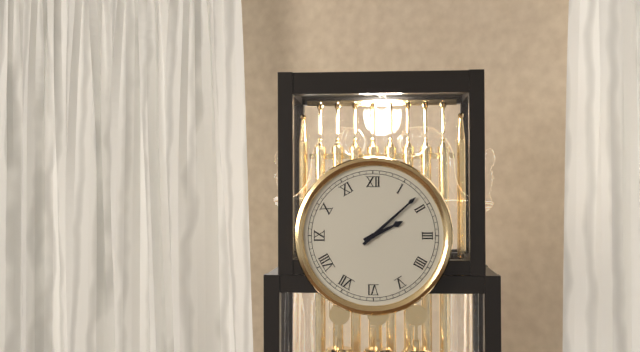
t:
2:08
